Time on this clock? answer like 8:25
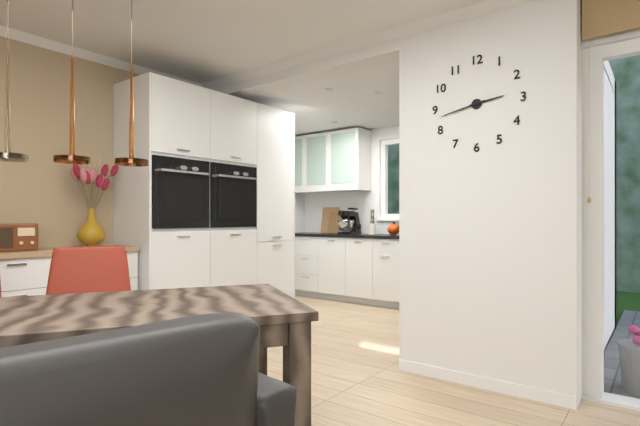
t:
2:43
